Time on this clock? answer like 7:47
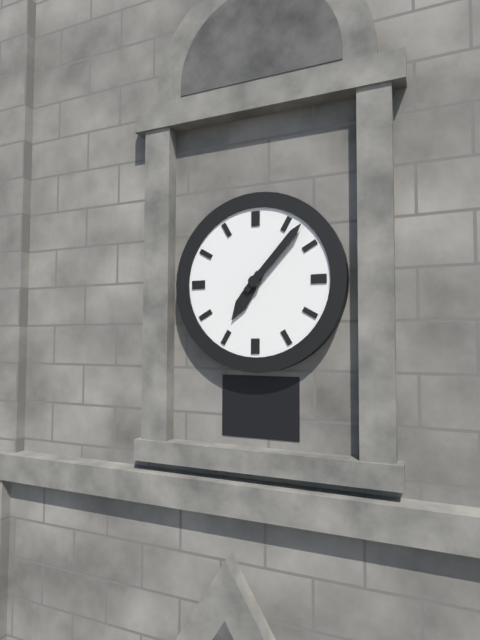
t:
7:07
